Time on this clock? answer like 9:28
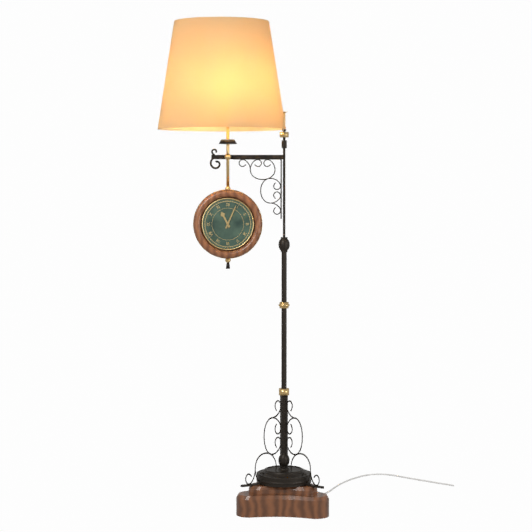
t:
11:04
